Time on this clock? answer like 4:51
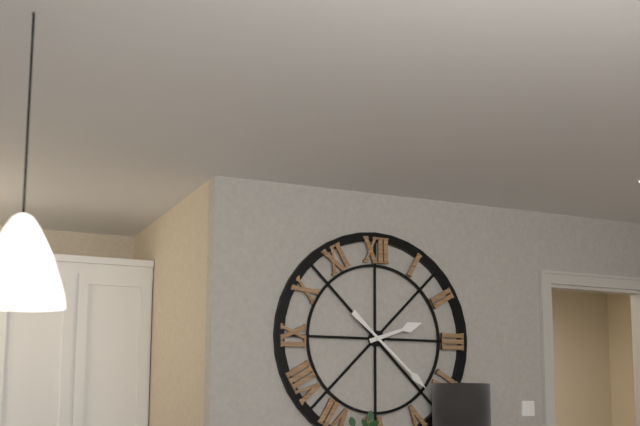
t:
2:22
